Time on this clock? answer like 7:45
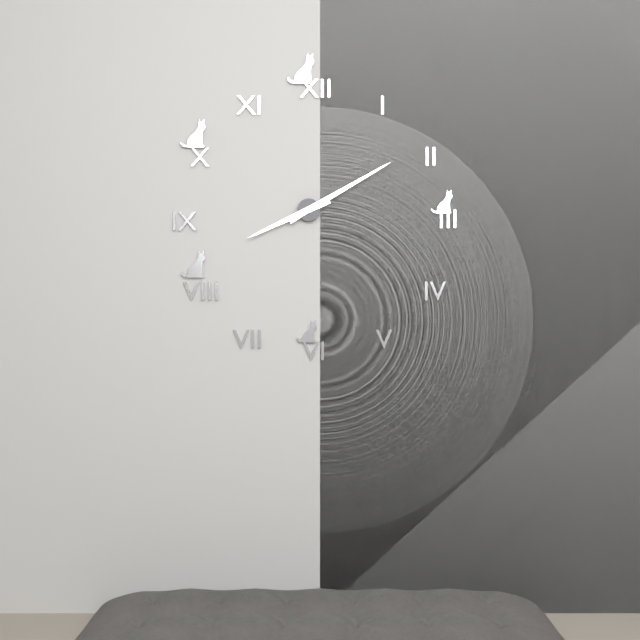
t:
8:10
